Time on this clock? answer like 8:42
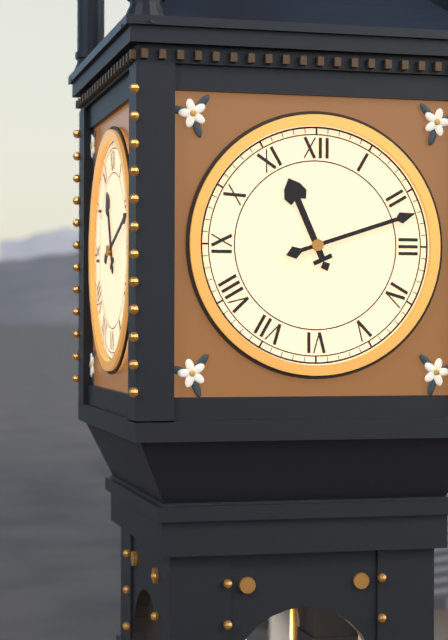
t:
11:12
